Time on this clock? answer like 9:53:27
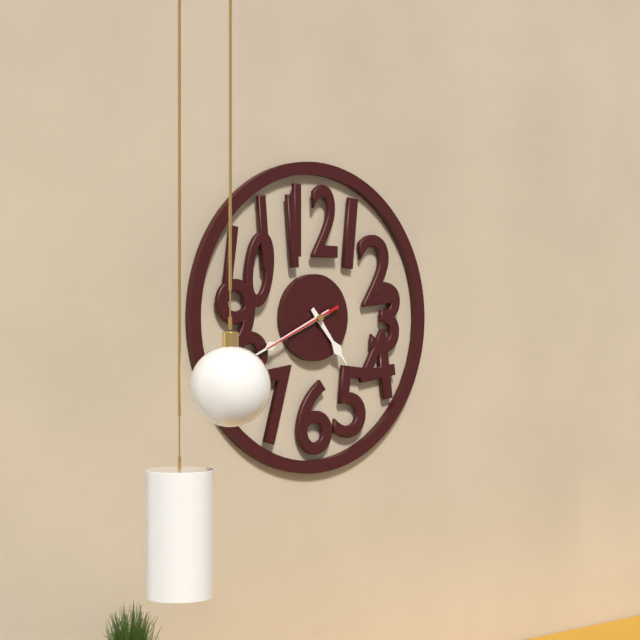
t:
4:41:41
